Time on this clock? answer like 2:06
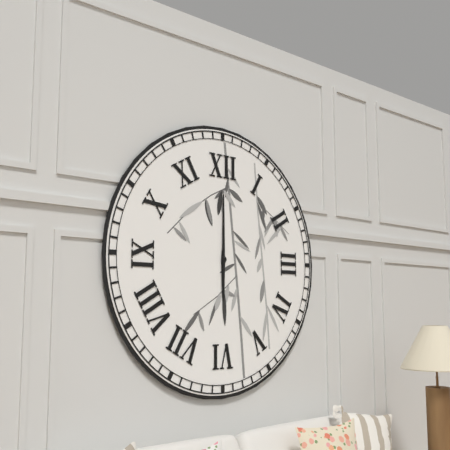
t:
6:00
